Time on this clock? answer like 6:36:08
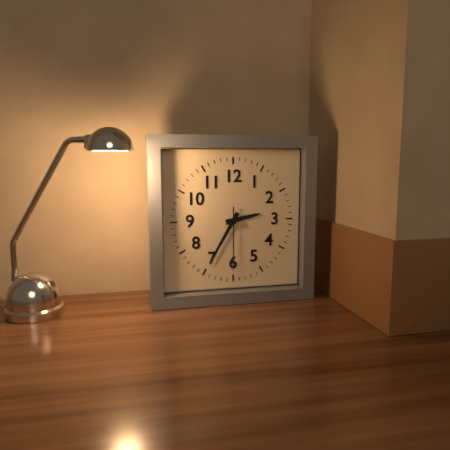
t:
2:35:30
